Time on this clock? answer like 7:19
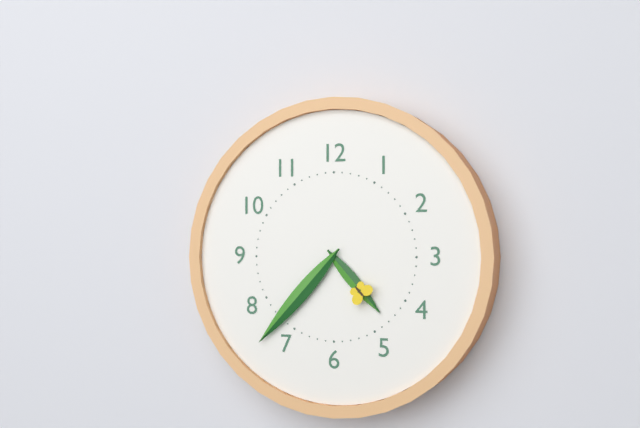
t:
4:37
